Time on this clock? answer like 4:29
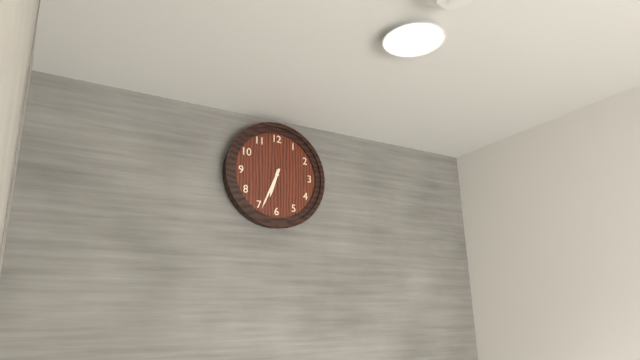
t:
6:34
